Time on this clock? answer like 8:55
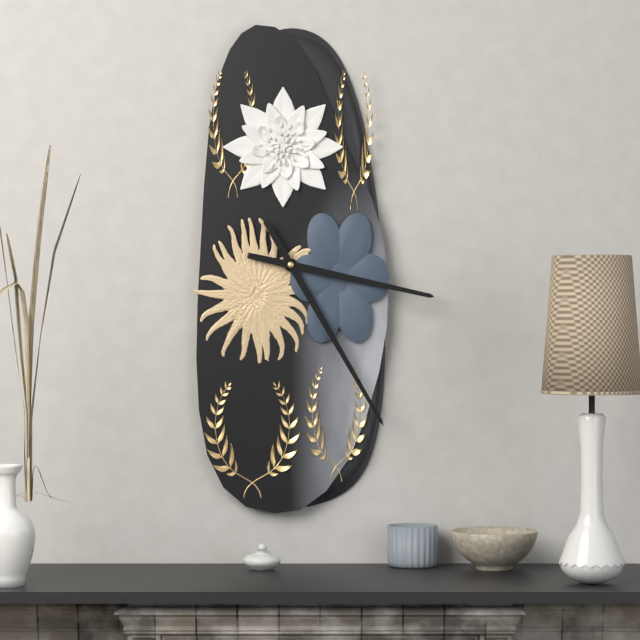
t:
3:25
